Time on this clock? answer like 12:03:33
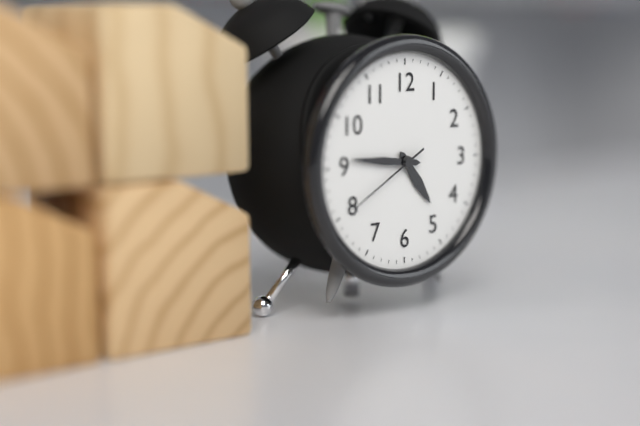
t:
4:46:40
